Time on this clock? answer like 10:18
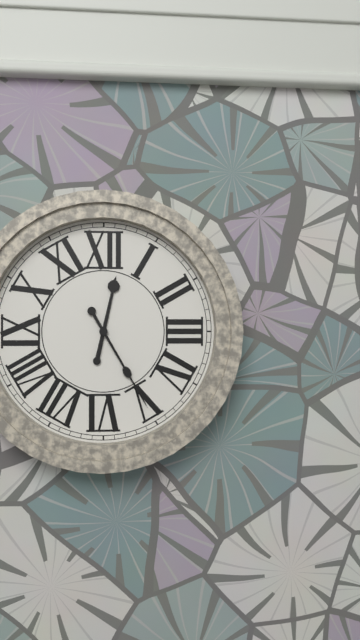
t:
12:25
